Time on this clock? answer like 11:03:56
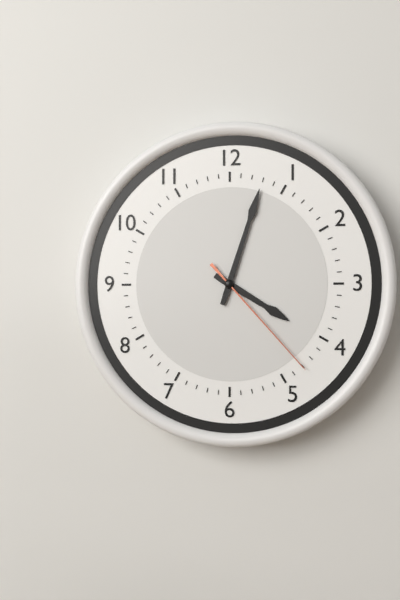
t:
4:03:23
